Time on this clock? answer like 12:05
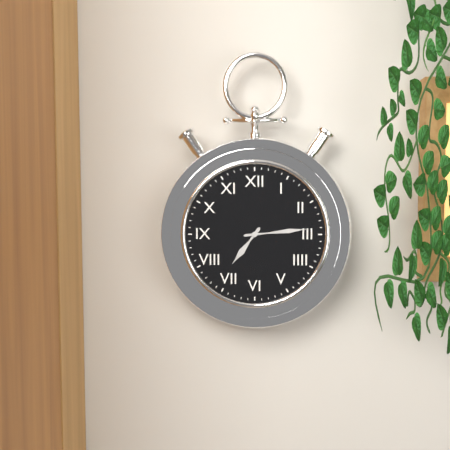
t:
7:14
